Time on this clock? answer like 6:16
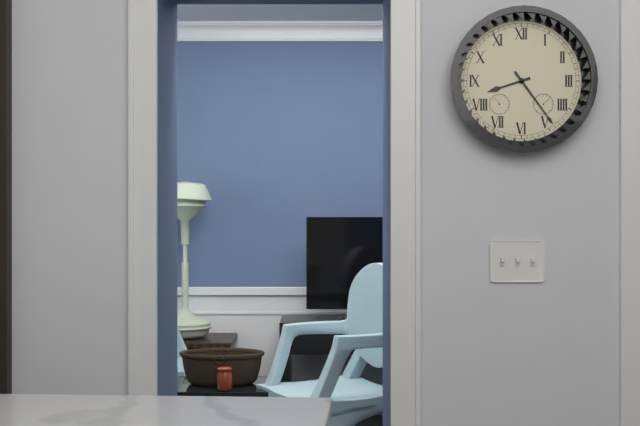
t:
8:24
